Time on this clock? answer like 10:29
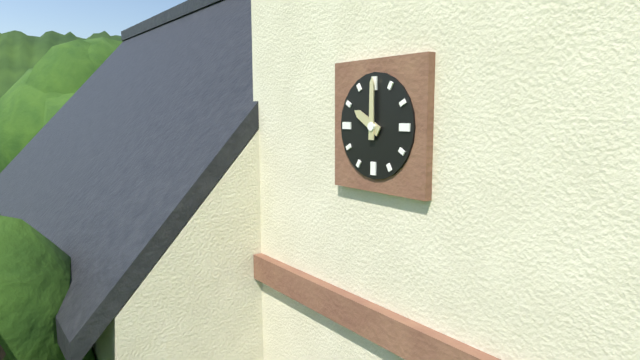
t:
10:00
